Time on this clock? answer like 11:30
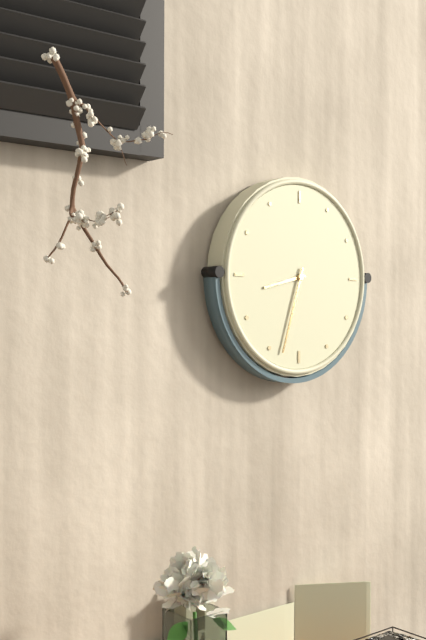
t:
8:33
